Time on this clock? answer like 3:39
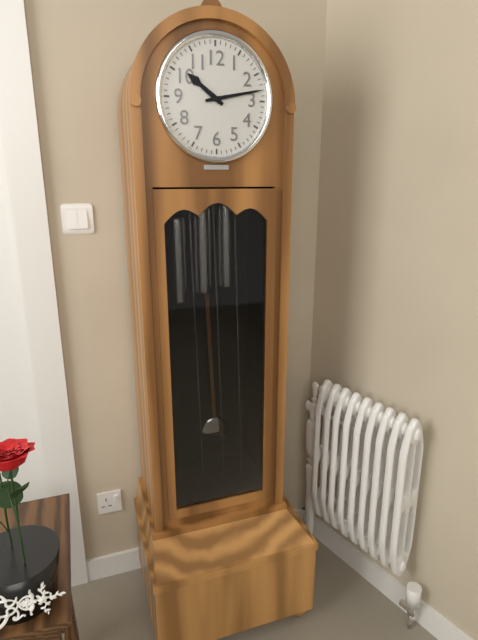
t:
10:13
